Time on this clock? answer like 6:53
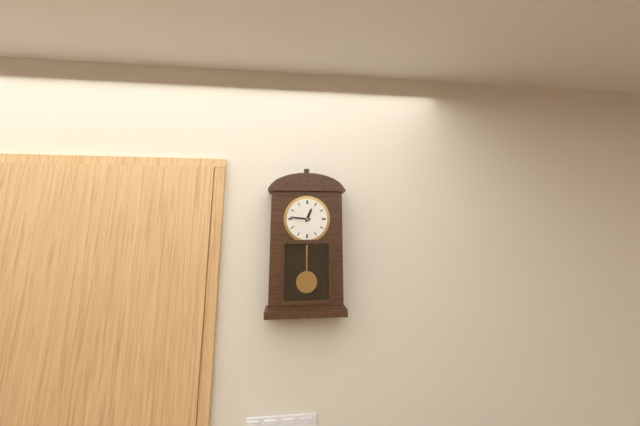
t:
12:46
